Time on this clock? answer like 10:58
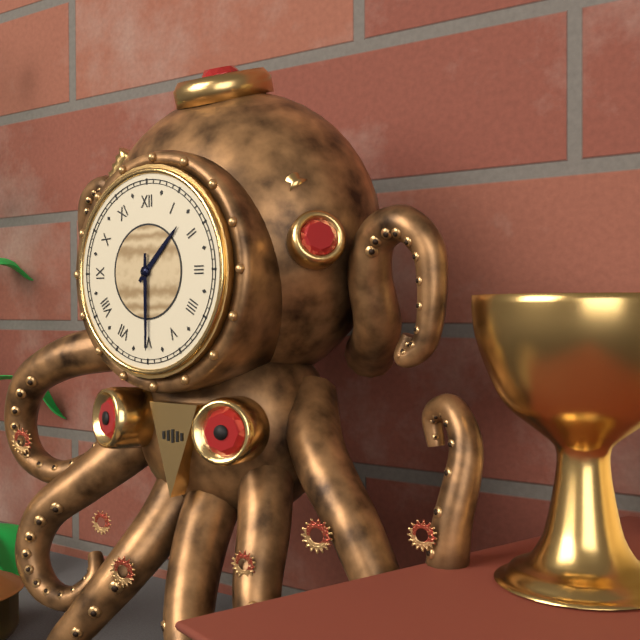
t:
1:30
